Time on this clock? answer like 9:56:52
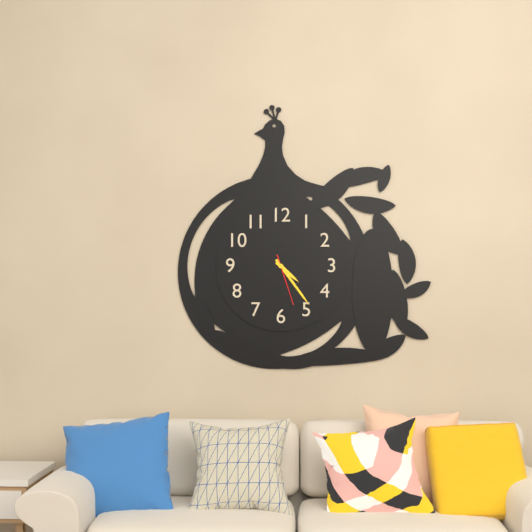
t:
4:24:27
